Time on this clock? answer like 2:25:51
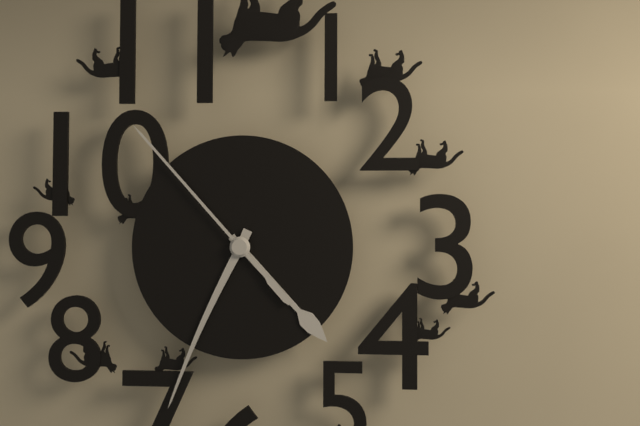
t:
4:34:53
